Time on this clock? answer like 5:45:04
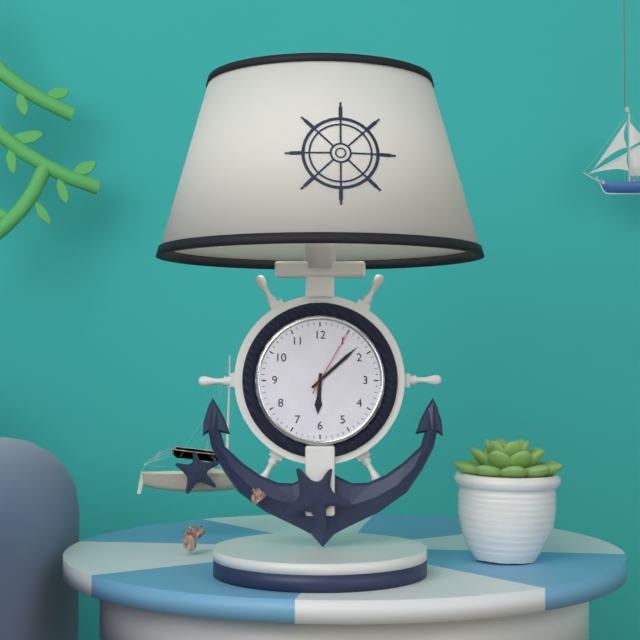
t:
6:08:05
